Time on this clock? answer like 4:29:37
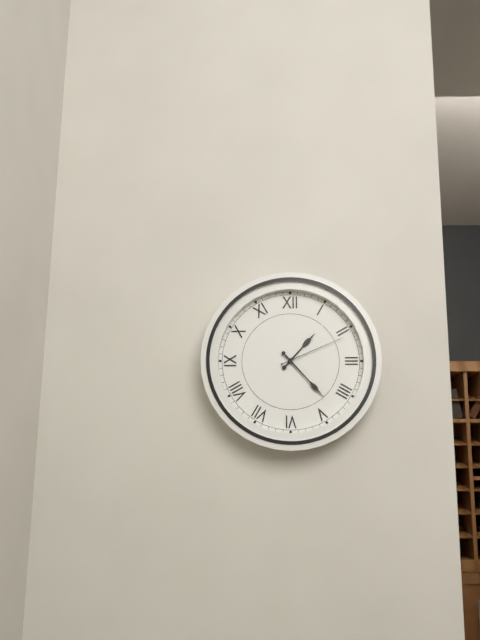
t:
1:23:11
